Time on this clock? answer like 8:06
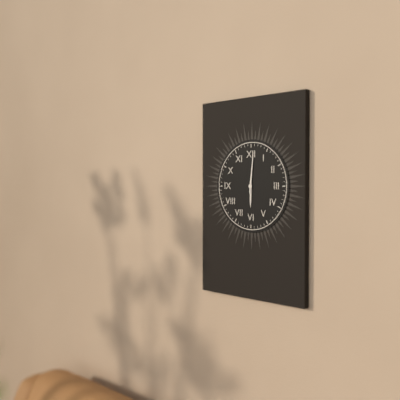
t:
6:01
